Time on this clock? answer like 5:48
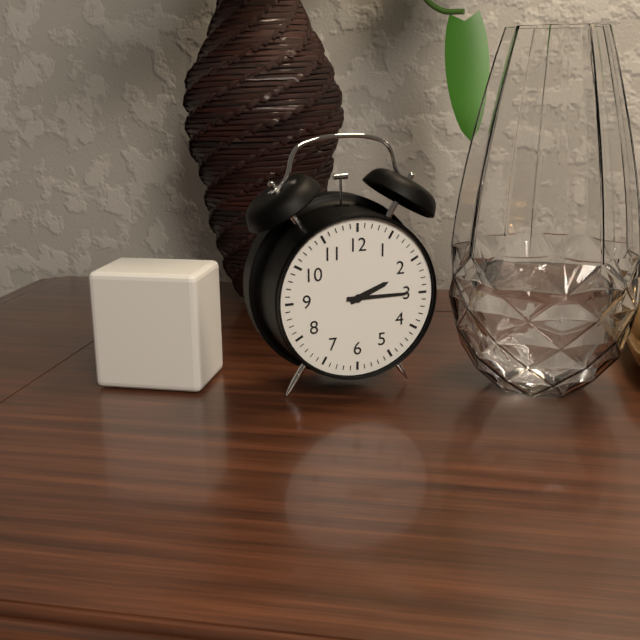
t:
2:15
